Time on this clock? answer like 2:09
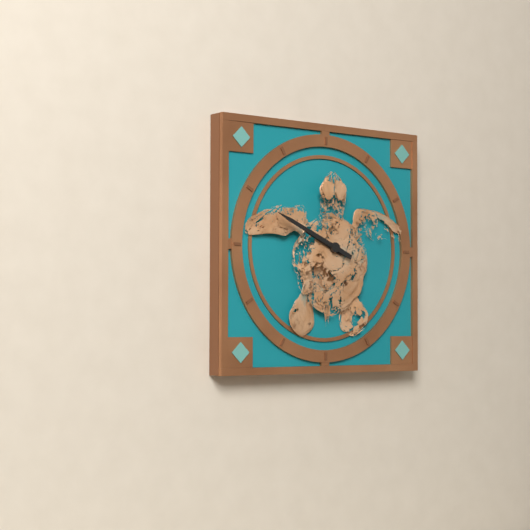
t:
9:49
